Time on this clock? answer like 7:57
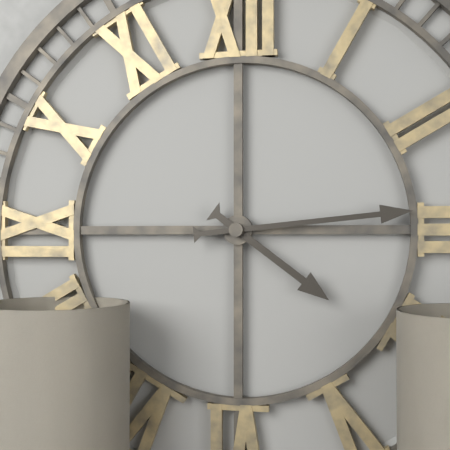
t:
4:14
